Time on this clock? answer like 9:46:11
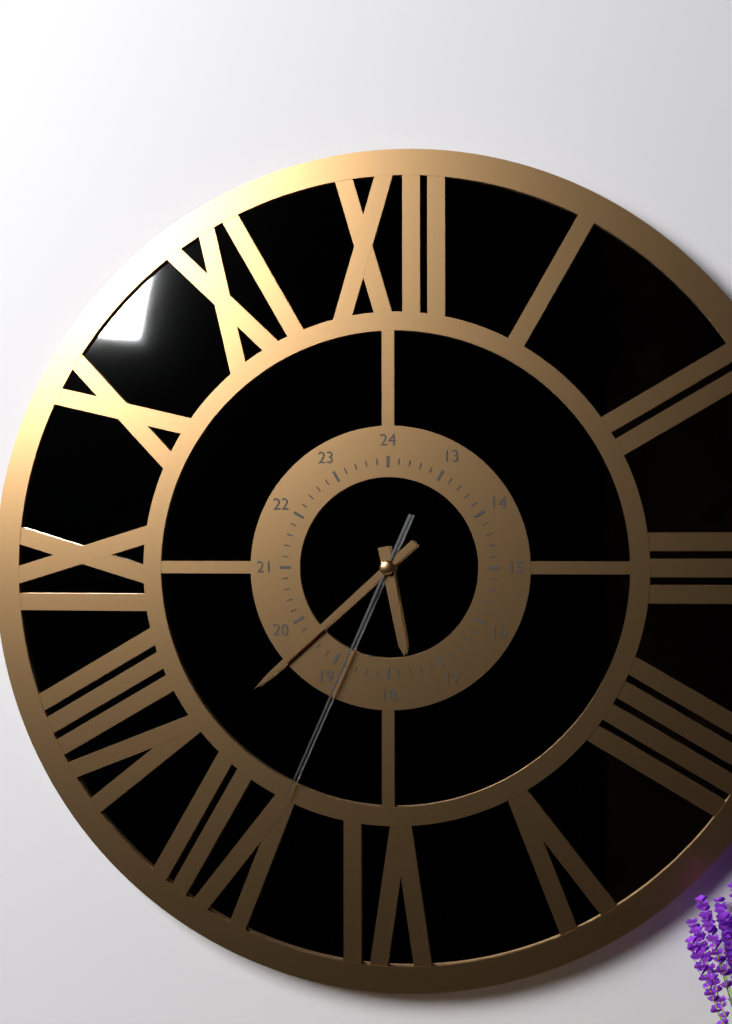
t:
5:38:34
